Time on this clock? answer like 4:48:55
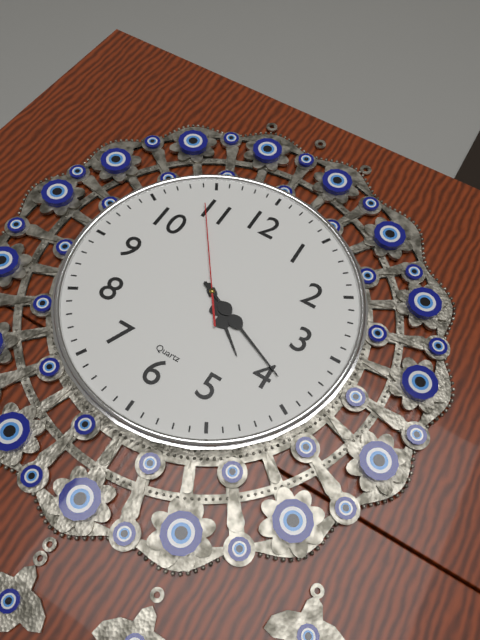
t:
4:19:54
